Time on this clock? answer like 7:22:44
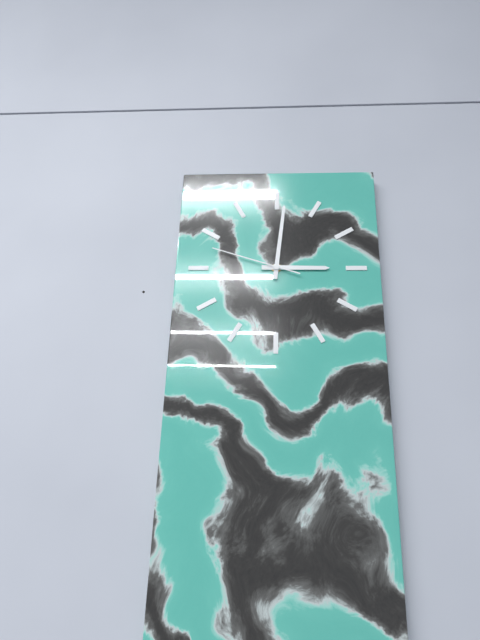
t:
3:01:48
